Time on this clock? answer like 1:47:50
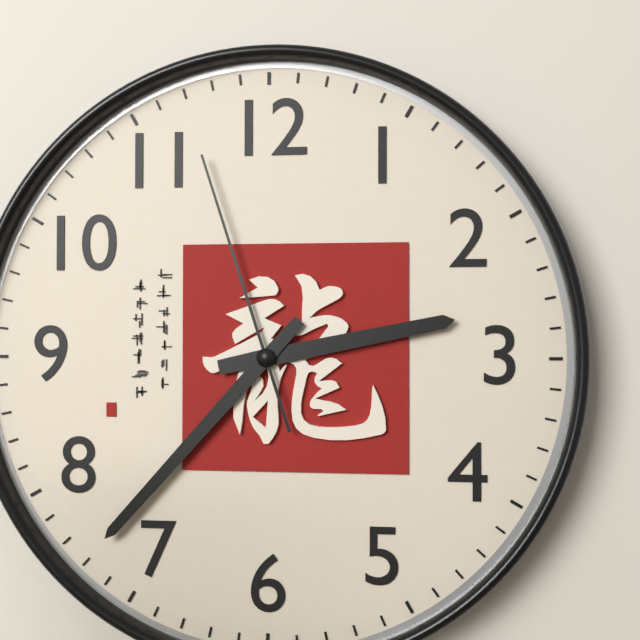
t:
2:37:57
